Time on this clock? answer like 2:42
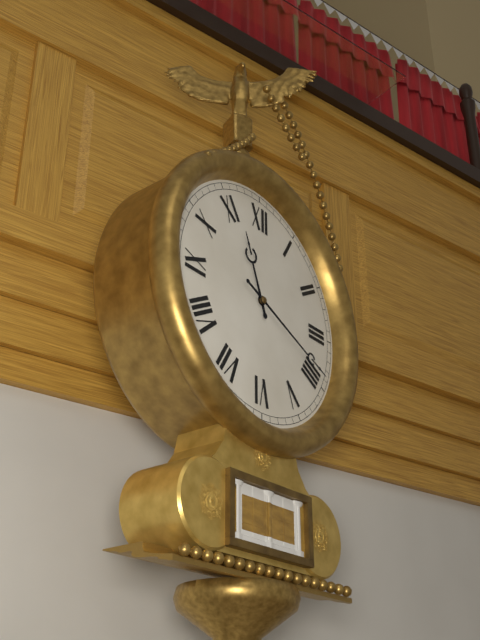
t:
11:19
